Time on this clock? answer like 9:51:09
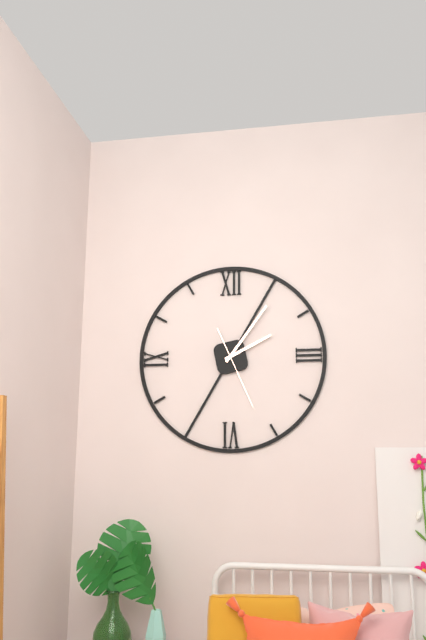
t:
2:06:26
